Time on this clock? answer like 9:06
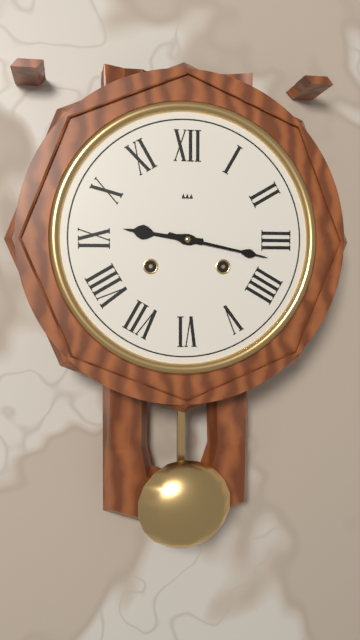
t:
9:17
